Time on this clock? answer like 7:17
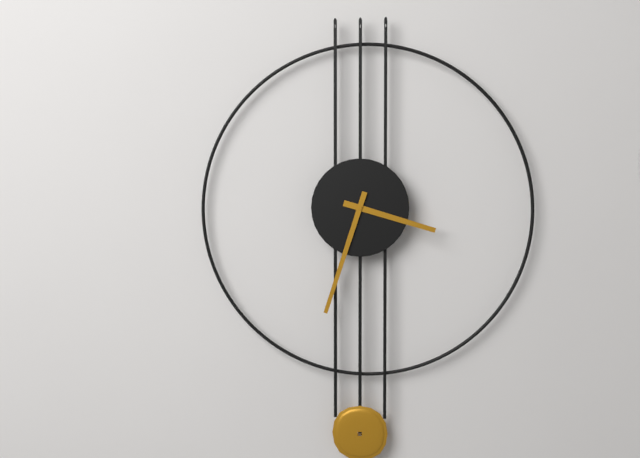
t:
3:33
